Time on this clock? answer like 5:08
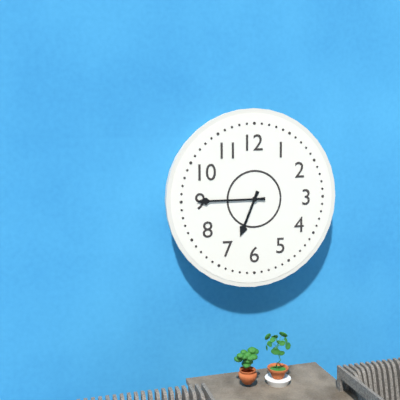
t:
6:45
